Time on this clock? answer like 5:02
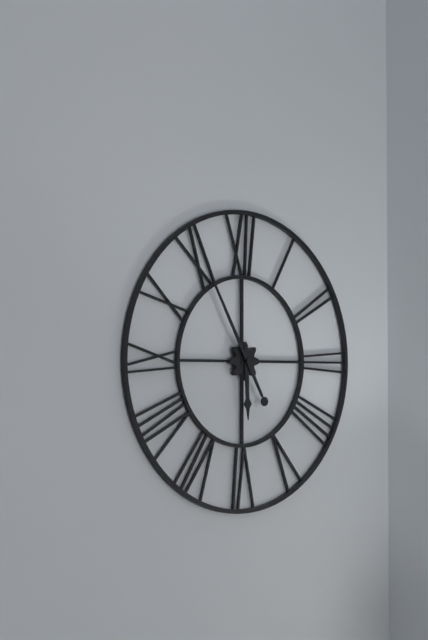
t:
5:55
